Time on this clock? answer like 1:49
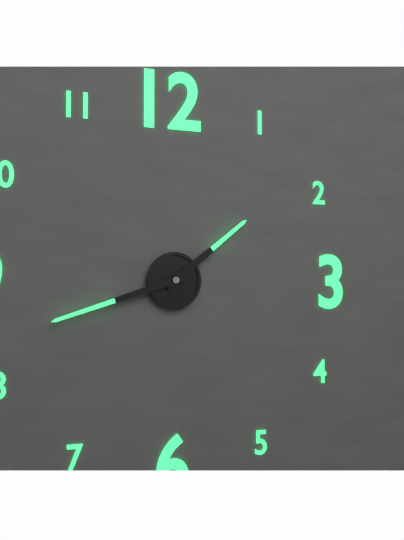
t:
1:42
